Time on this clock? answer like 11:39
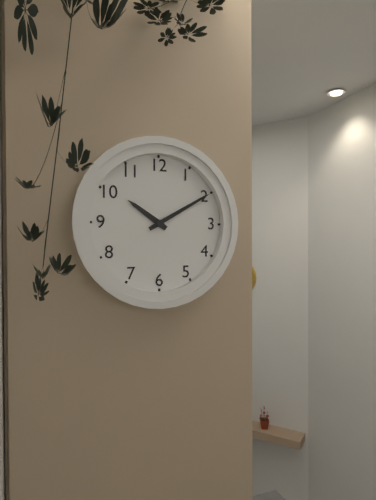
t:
10:10
